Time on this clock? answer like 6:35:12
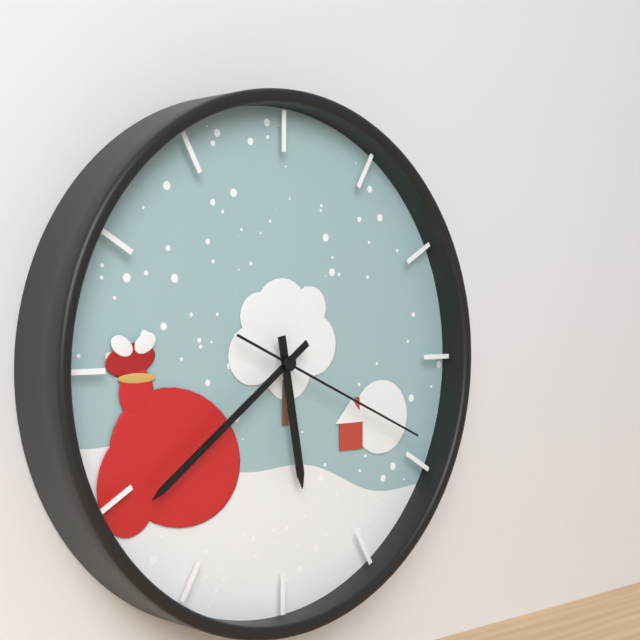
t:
5:39:19
